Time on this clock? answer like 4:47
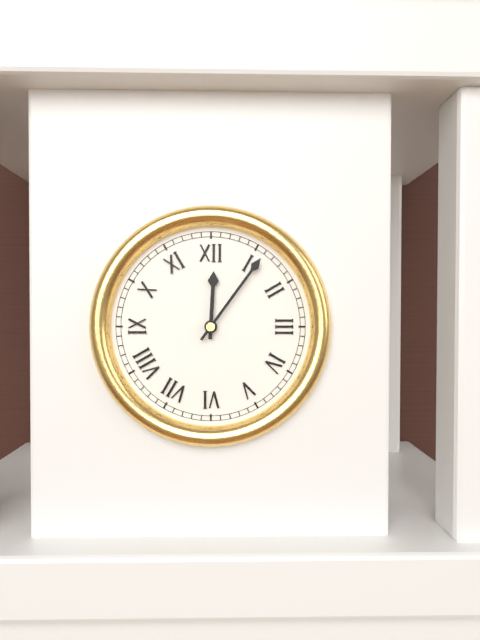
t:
12:06
